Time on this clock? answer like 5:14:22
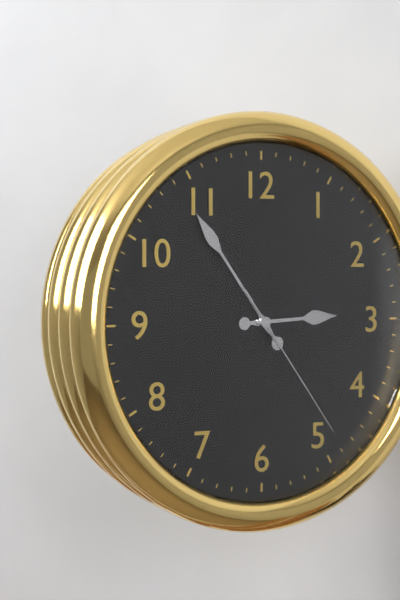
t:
2:54:24
